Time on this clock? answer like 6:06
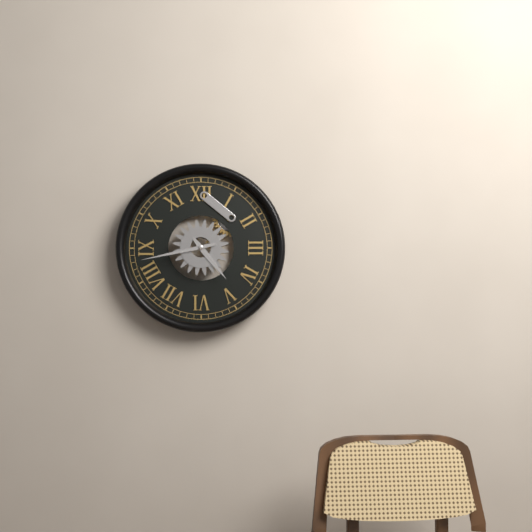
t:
4:43
